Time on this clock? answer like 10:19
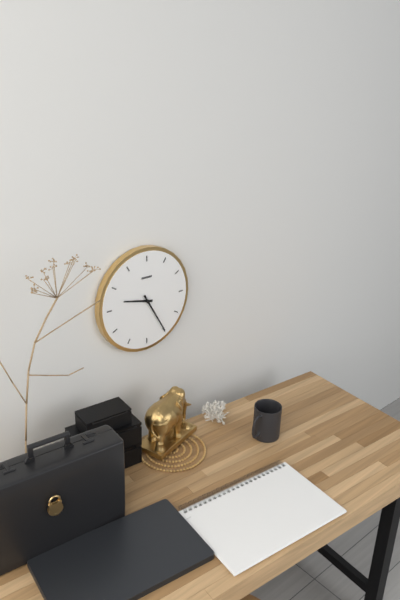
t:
9:25
